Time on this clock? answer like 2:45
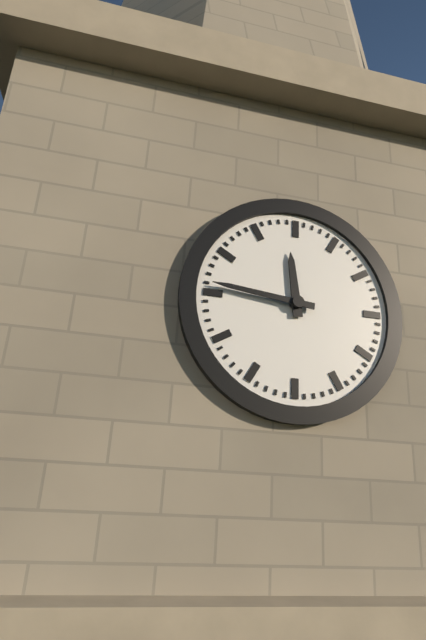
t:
11:46
